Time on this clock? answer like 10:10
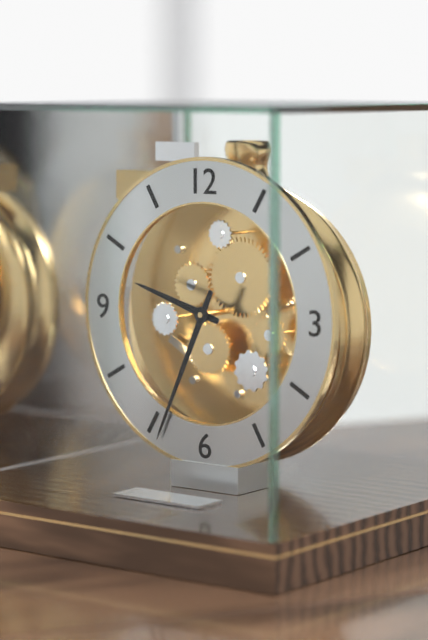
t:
9:34
